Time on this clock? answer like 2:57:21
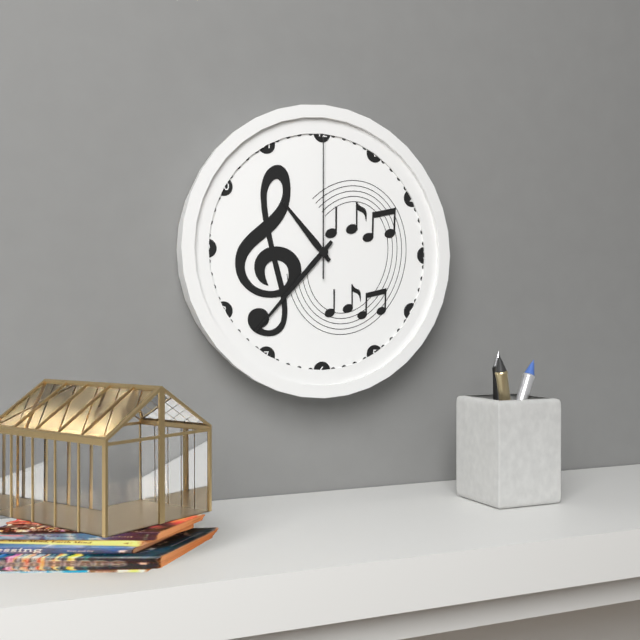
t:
10:37:00
